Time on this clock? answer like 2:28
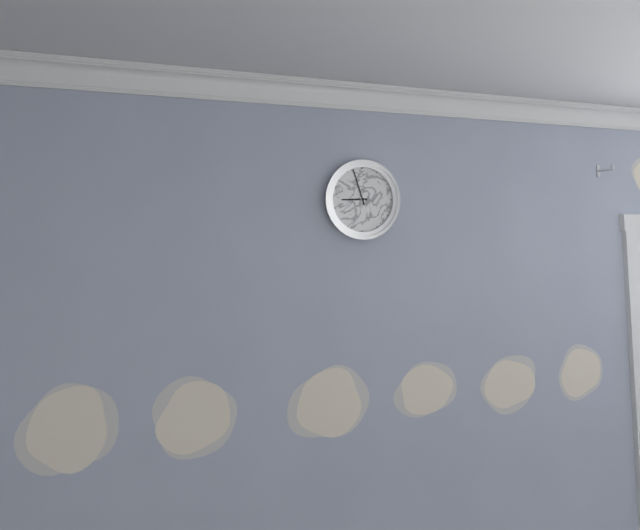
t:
8:57
